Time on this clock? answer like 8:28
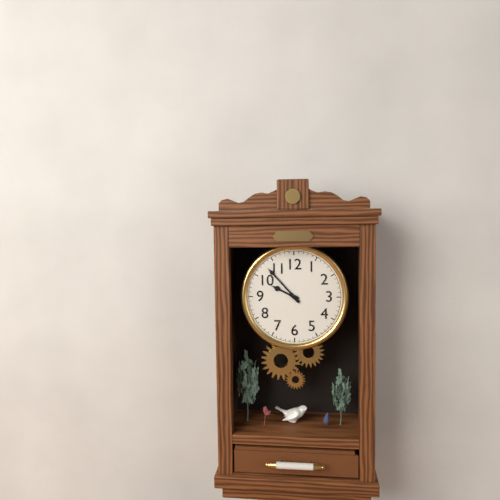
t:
9:53
